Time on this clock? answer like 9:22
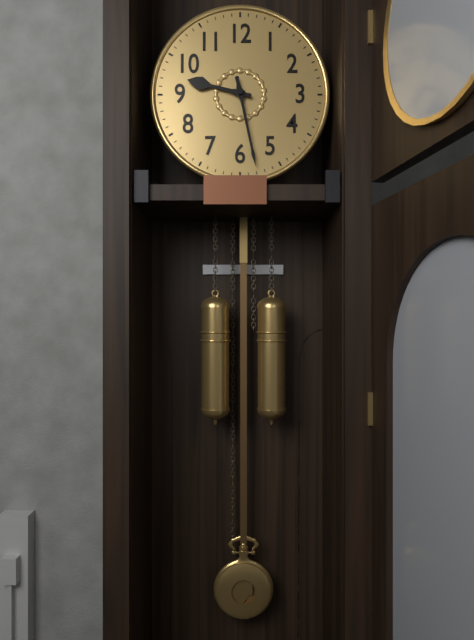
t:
9:28
